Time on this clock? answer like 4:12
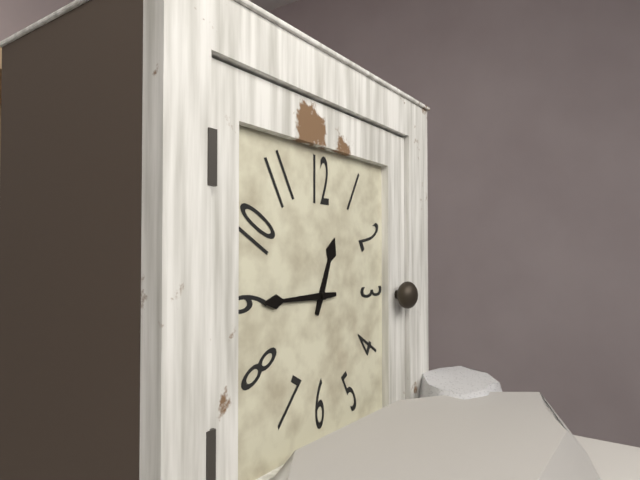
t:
12:45
